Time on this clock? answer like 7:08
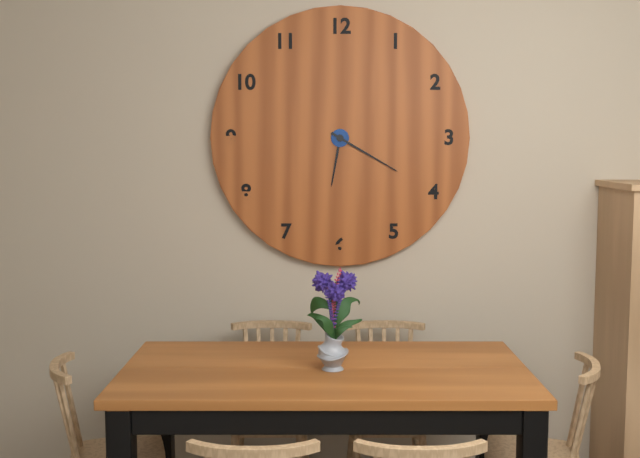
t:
6:20
